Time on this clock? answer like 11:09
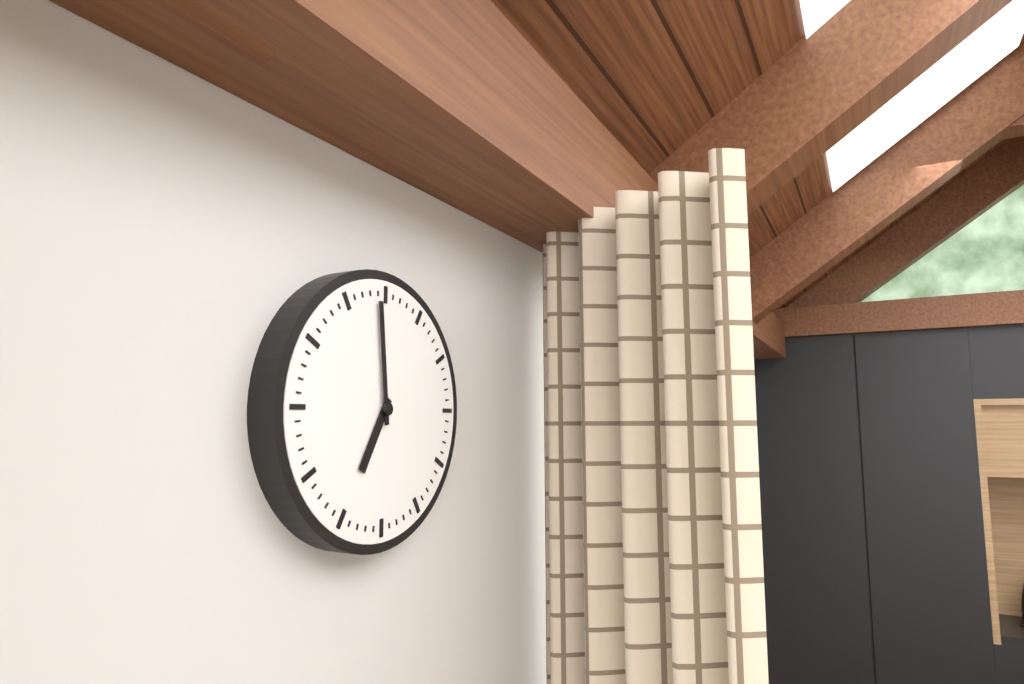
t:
6:59
